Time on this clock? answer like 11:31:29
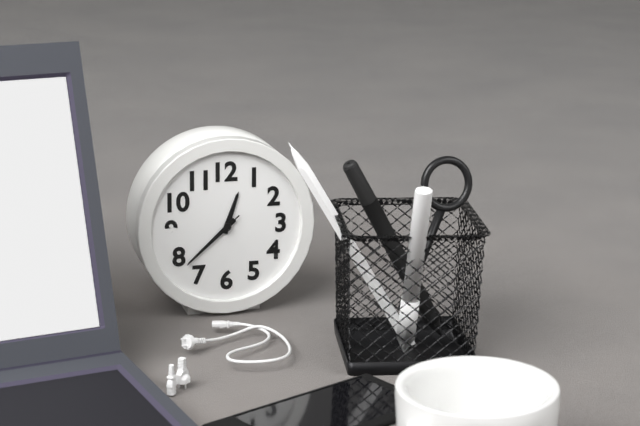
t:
12:38:38
